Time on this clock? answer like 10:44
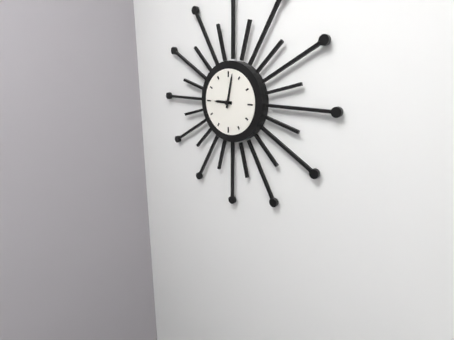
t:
9:02
